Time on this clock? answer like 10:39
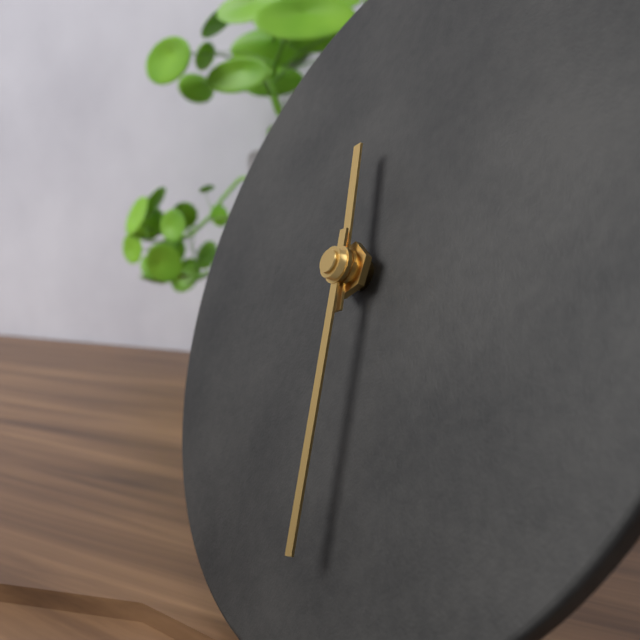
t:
11:28
